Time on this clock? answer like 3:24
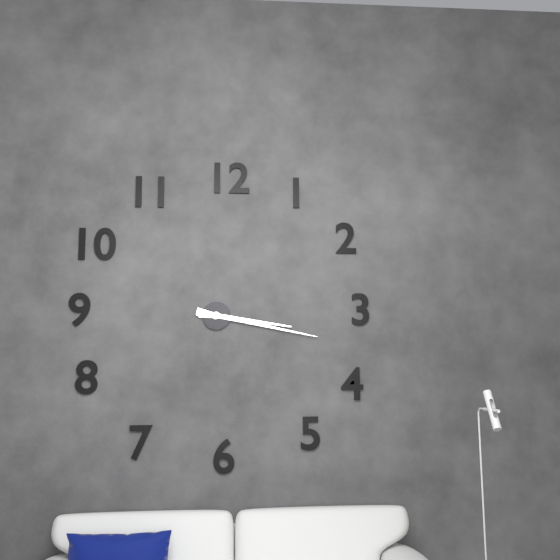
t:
3:17
